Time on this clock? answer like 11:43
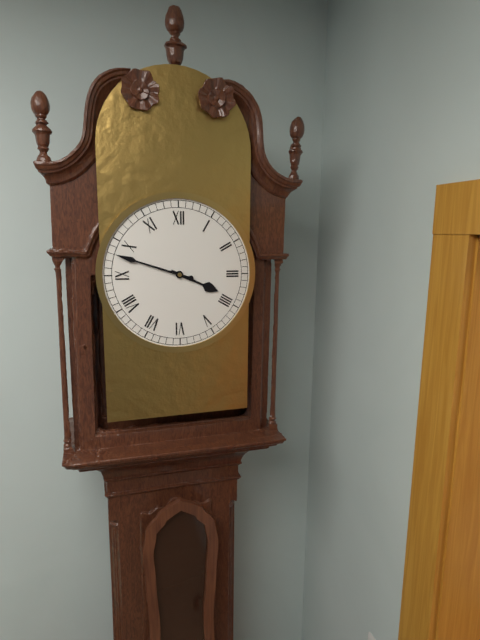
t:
3:48
